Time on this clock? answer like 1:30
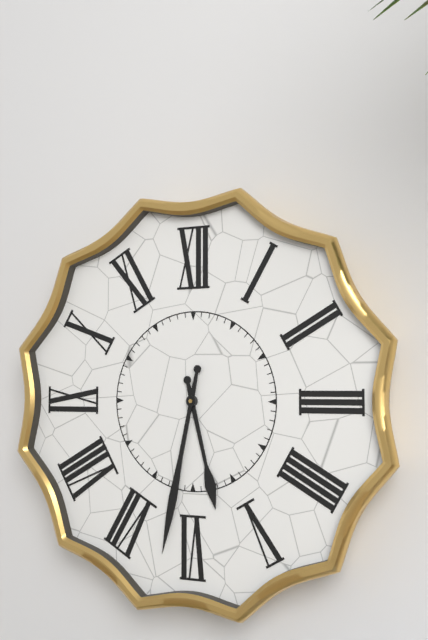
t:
5:32
